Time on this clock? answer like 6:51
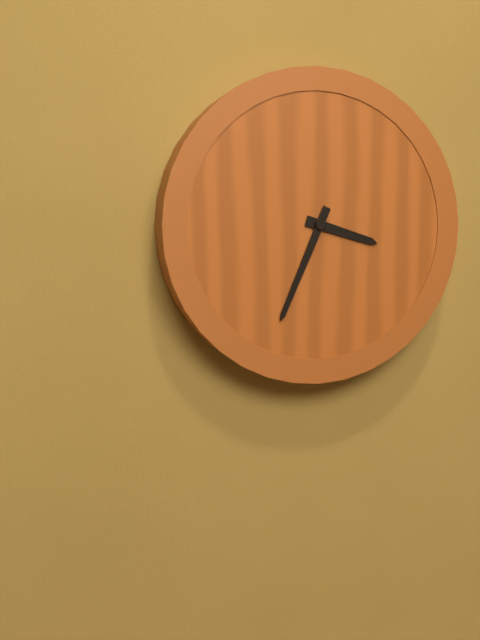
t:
3:34
